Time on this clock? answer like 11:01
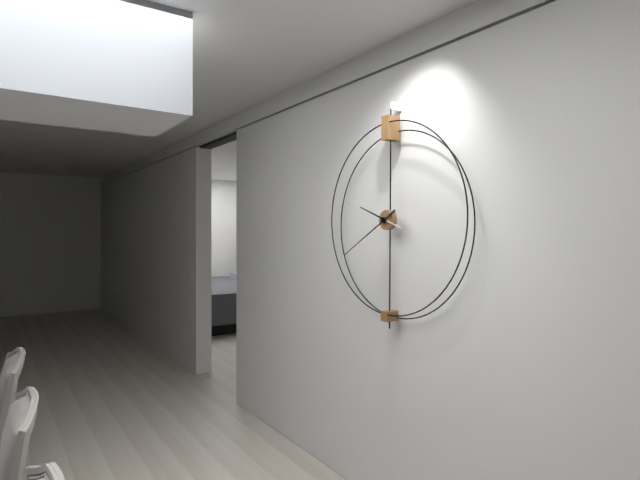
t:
9:40
